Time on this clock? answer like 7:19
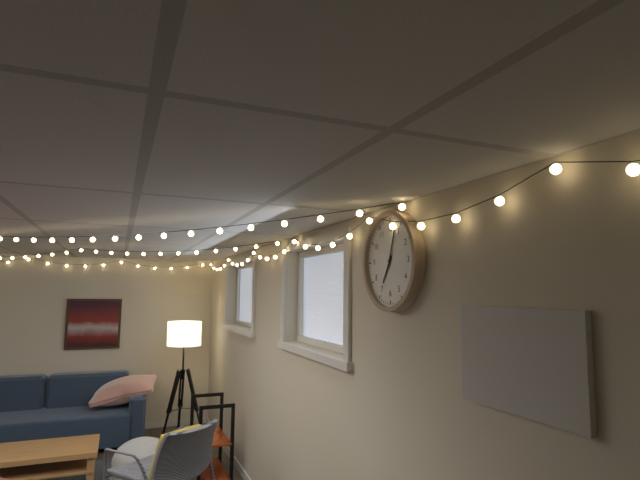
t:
7:03
